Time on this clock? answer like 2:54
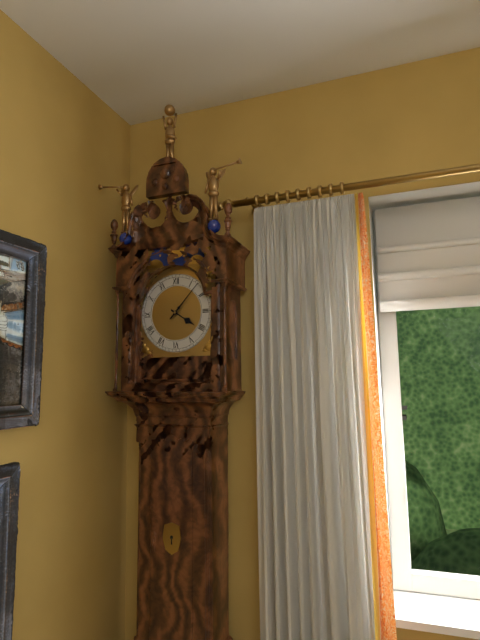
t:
4:07
